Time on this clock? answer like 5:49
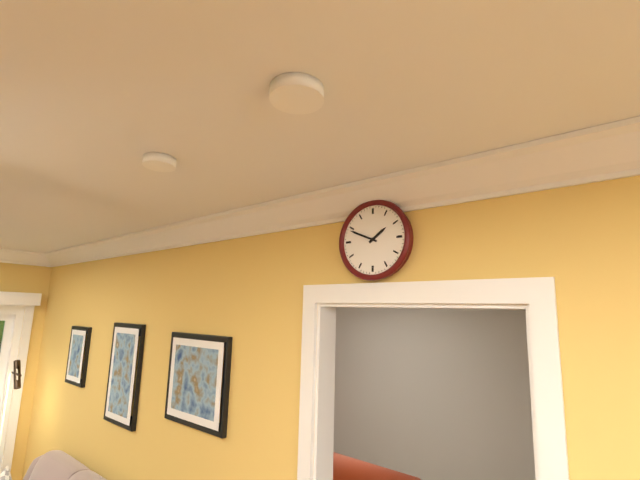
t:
1:49
